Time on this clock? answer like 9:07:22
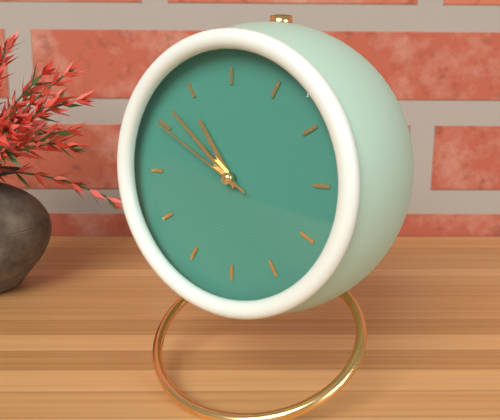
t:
10:52:50
